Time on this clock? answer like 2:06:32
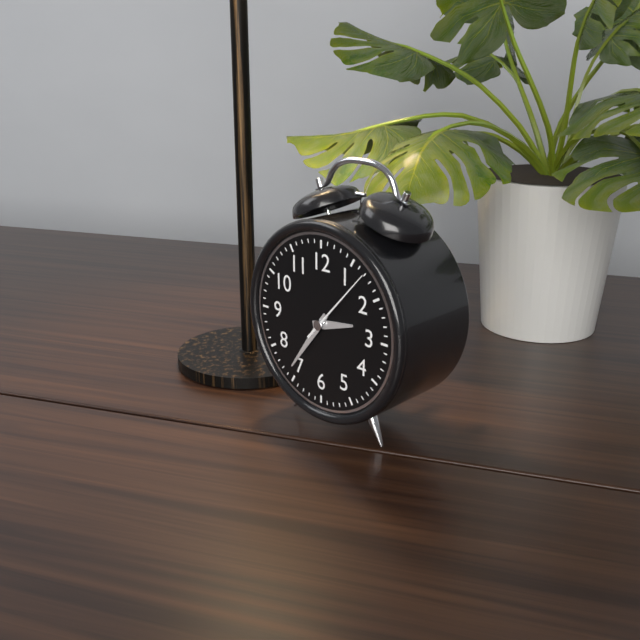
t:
2:36:07
